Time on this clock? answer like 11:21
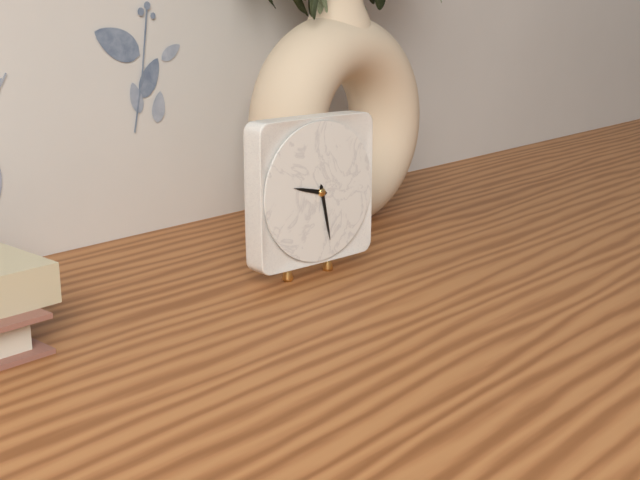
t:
9:28
